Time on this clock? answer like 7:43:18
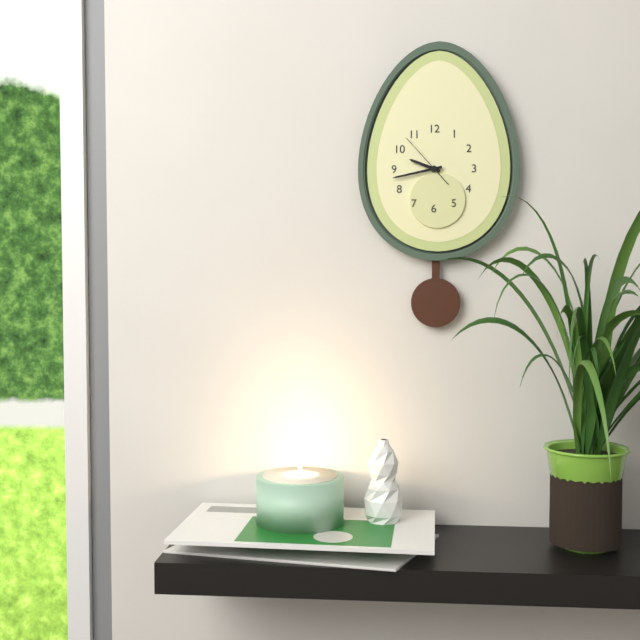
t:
9:43:53
